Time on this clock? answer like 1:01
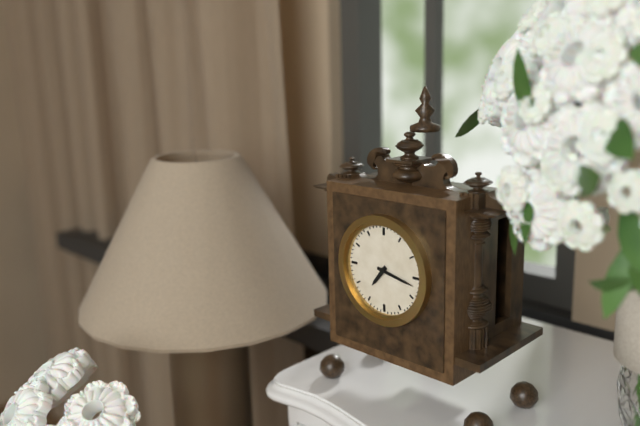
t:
7:17
